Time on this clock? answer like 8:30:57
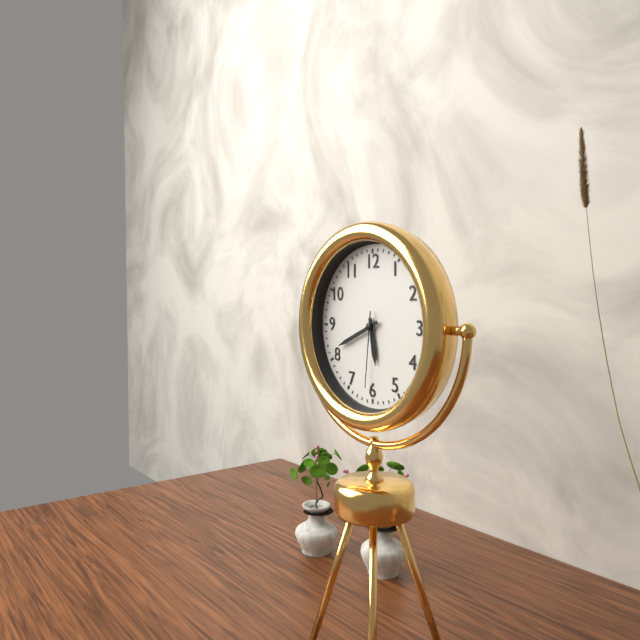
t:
5:41:31
